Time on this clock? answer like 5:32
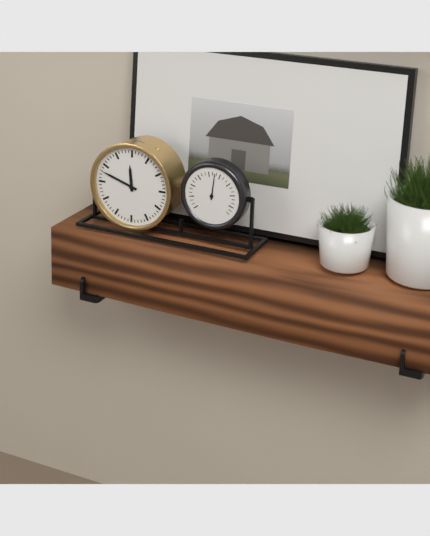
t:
11:48
